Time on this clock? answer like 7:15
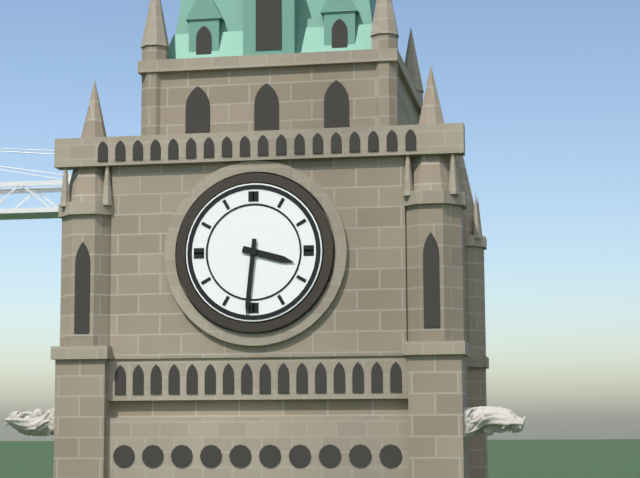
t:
3:31
